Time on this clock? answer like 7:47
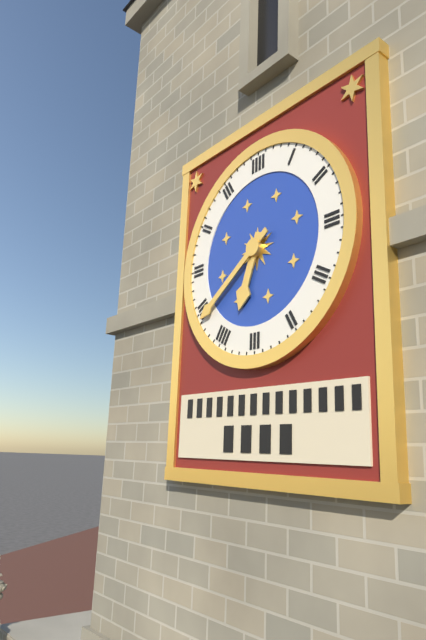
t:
6:39
